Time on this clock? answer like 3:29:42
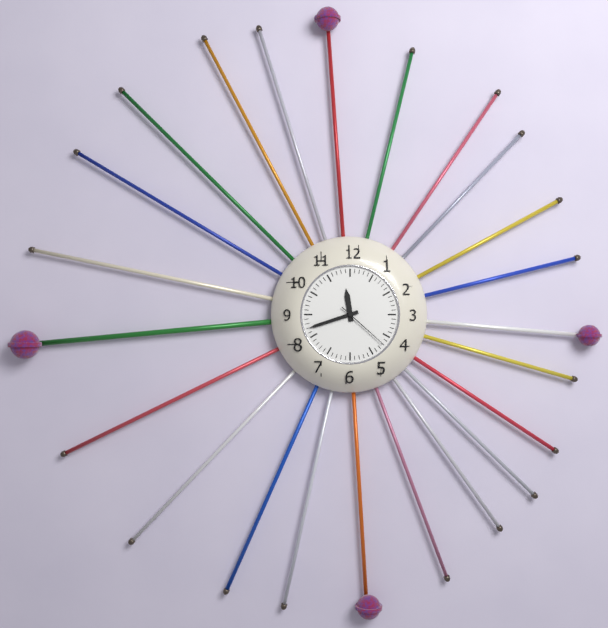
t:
11:42:22
